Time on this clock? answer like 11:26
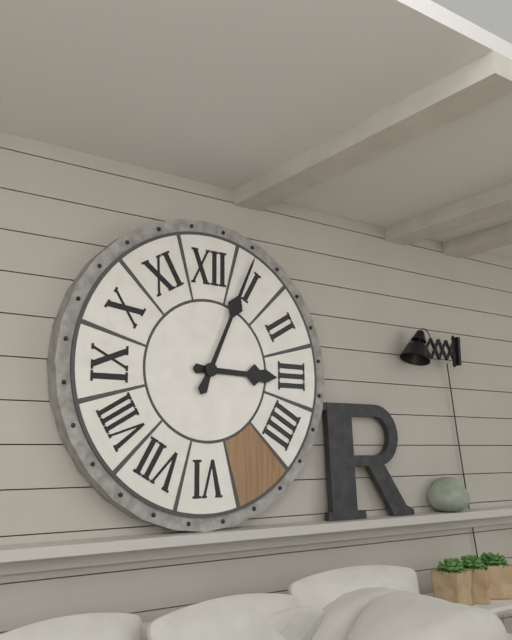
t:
3:04
